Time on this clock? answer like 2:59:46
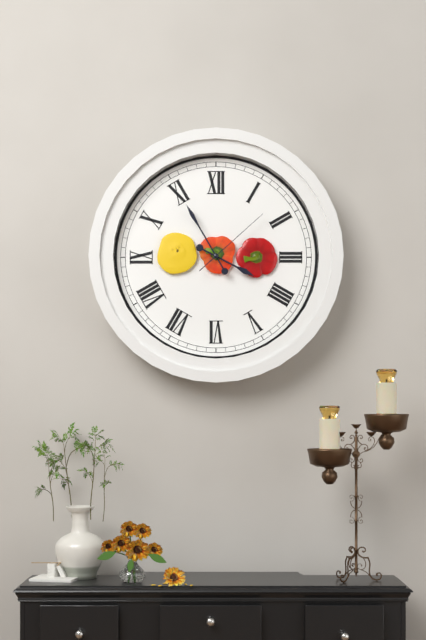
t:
3:55:08
